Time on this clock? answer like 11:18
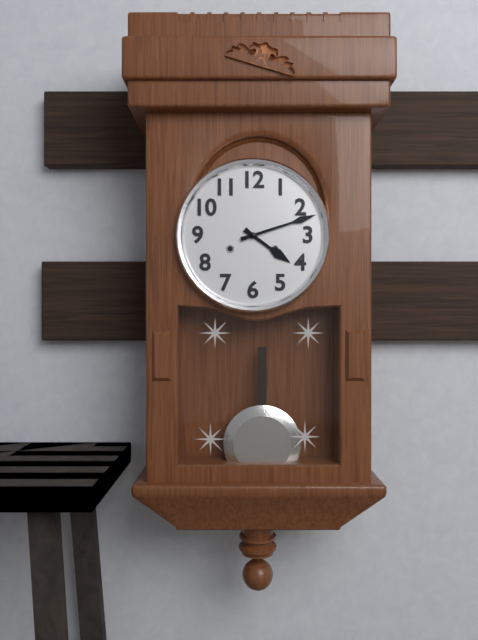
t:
4:12
